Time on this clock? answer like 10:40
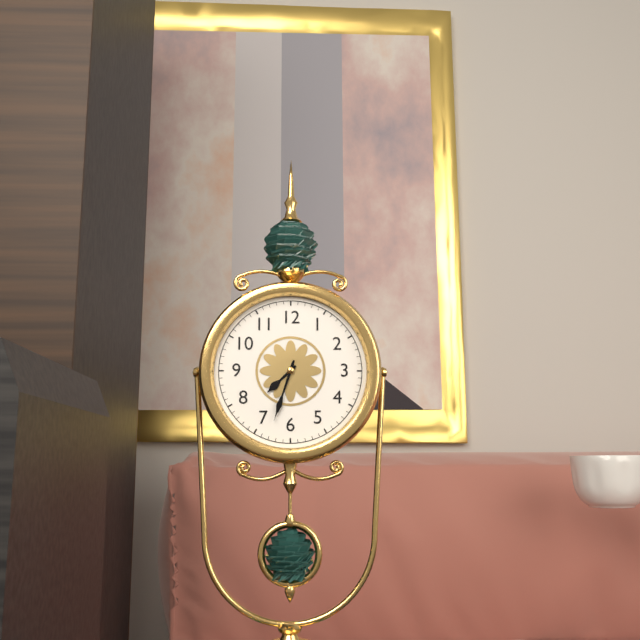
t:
7:33
